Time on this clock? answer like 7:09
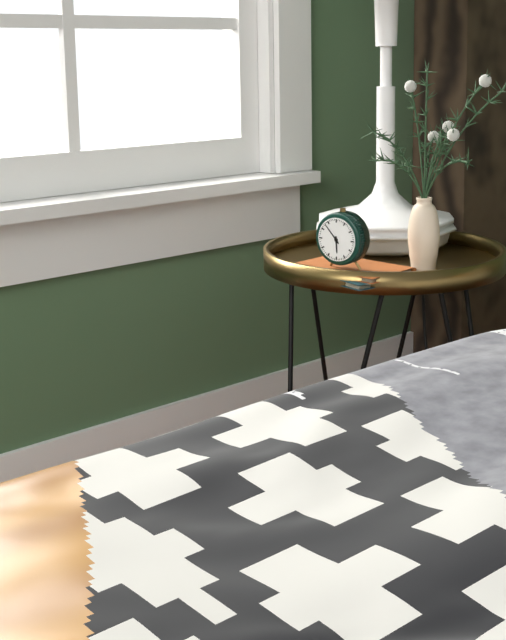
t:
5:53
